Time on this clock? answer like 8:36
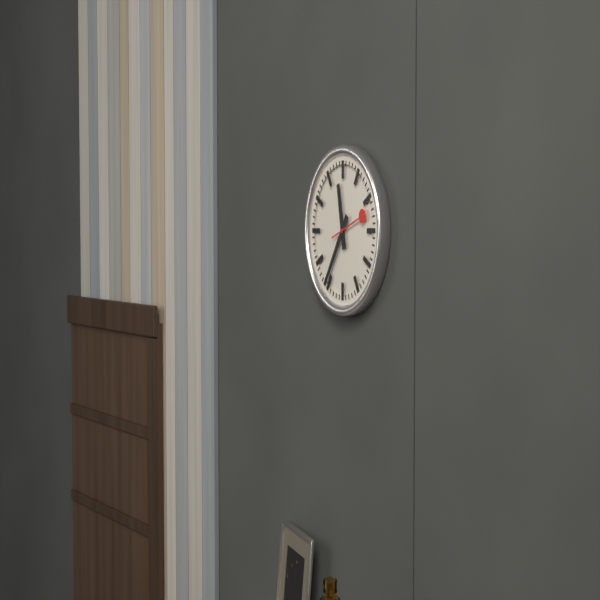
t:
11:36
